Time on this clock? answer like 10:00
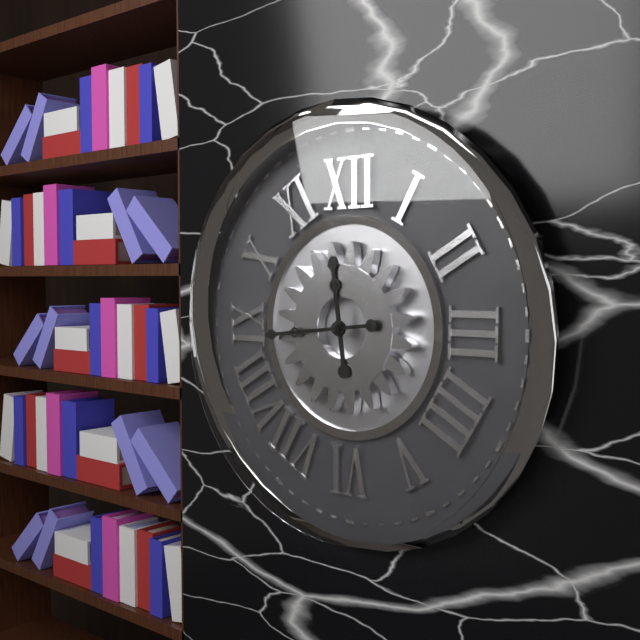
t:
11:44
